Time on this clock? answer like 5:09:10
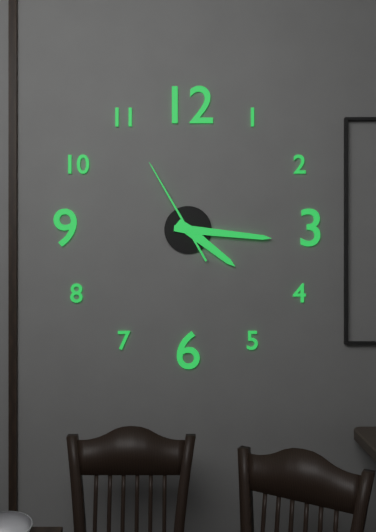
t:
4:16:55
